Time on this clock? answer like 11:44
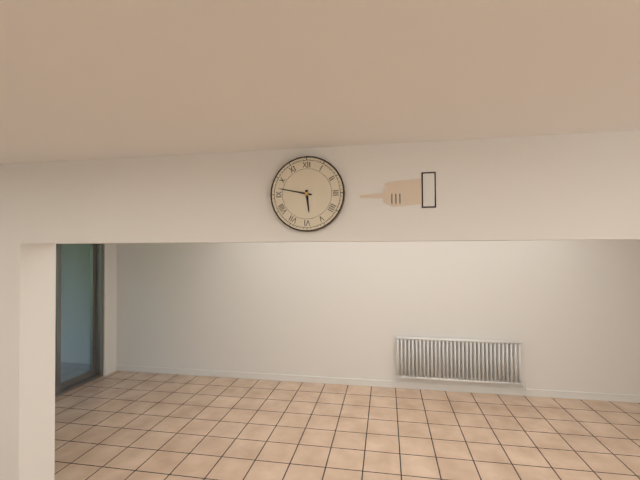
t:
5:47
